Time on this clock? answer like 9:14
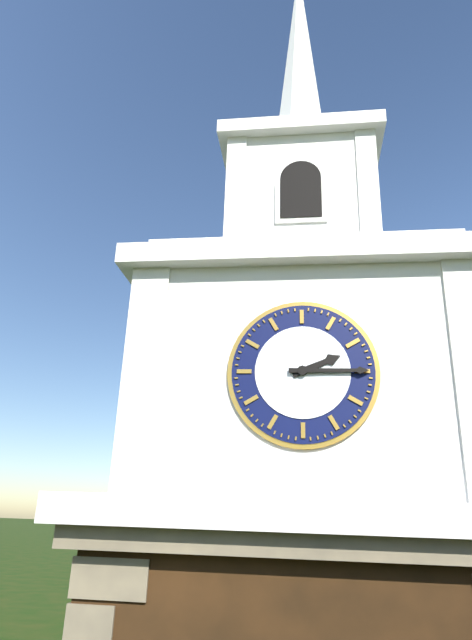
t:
2:15
